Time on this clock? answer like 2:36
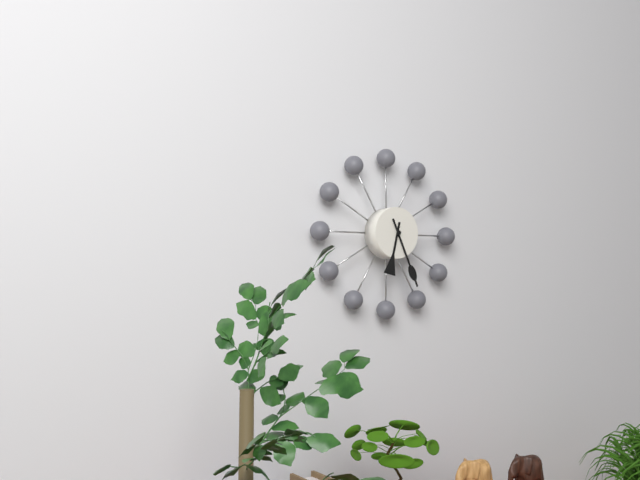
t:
6:26
